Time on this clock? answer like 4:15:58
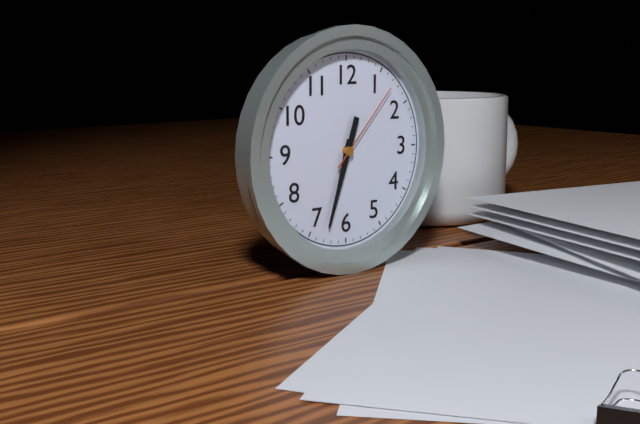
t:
6:33:07
